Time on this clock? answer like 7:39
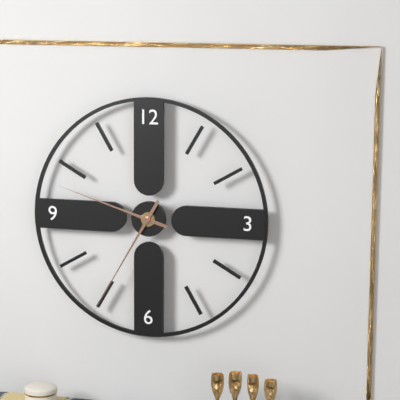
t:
9:35
